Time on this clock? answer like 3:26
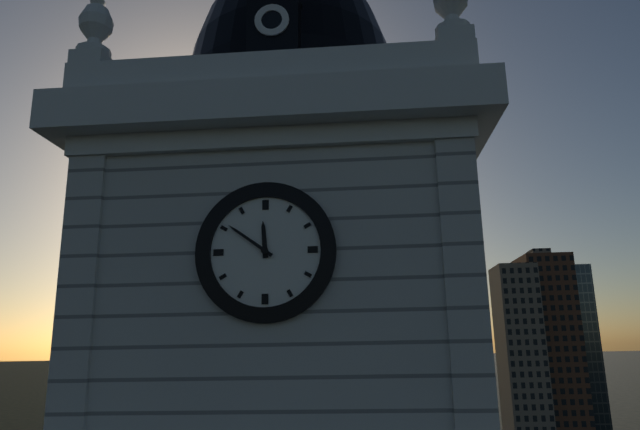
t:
11:51
